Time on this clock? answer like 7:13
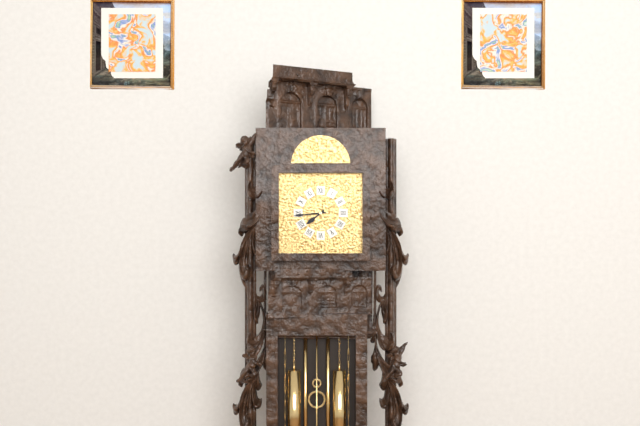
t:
7:44
